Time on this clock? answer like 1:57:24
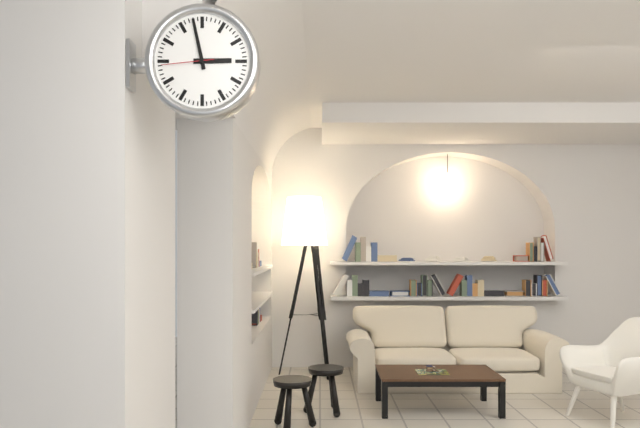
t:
2:58:44
